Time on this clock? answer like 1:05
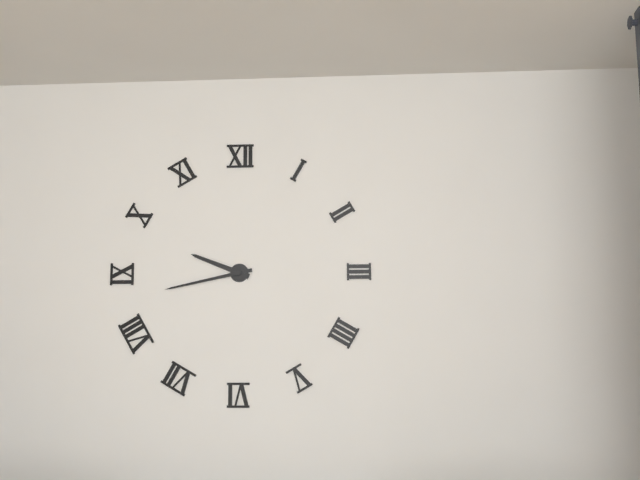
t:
9:43
